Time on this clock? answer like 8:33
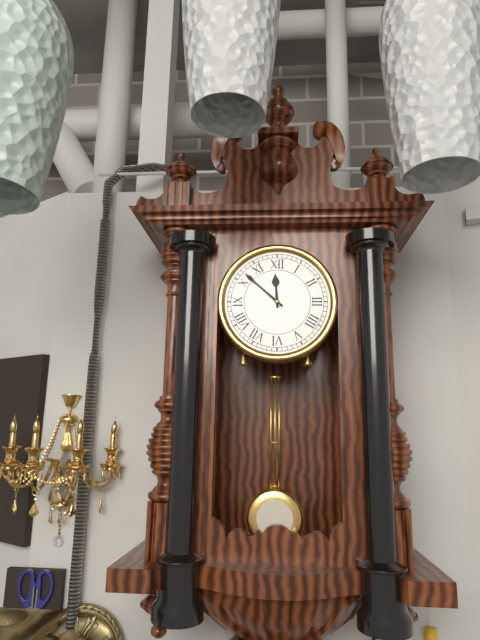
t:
11:52
